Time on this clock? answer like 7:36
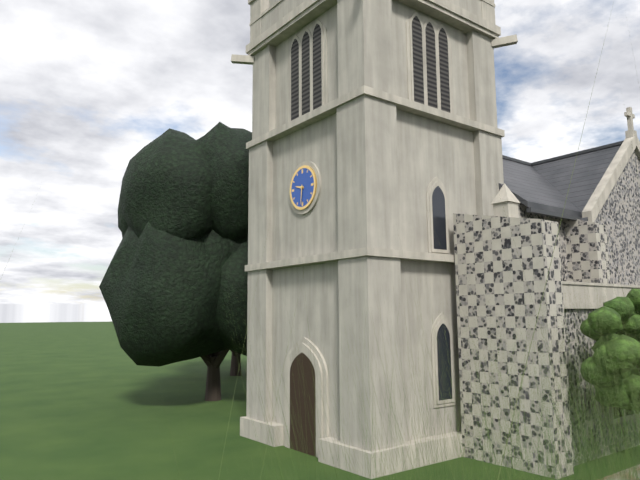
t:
9:31
